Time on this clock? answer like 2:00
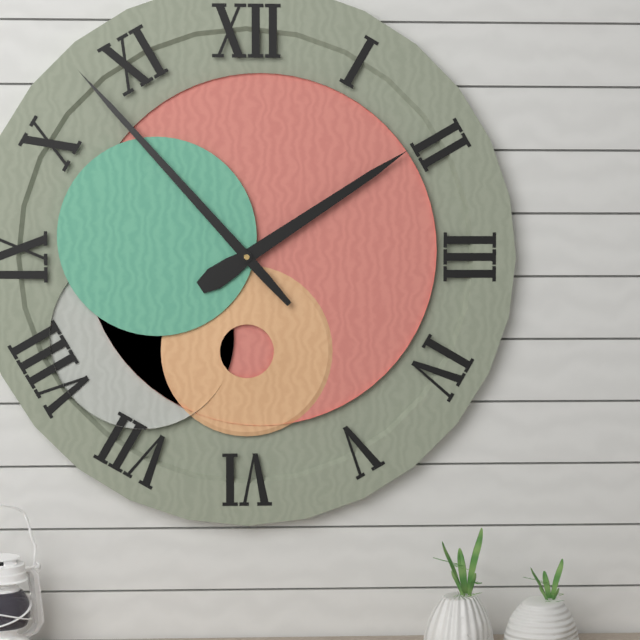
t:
1:53
